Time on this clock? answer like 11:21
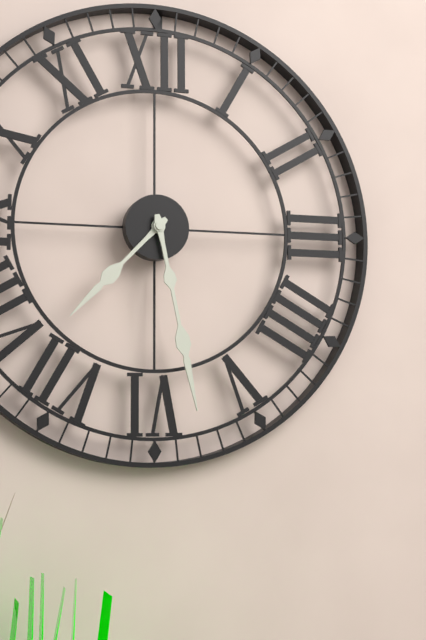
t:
7:28
